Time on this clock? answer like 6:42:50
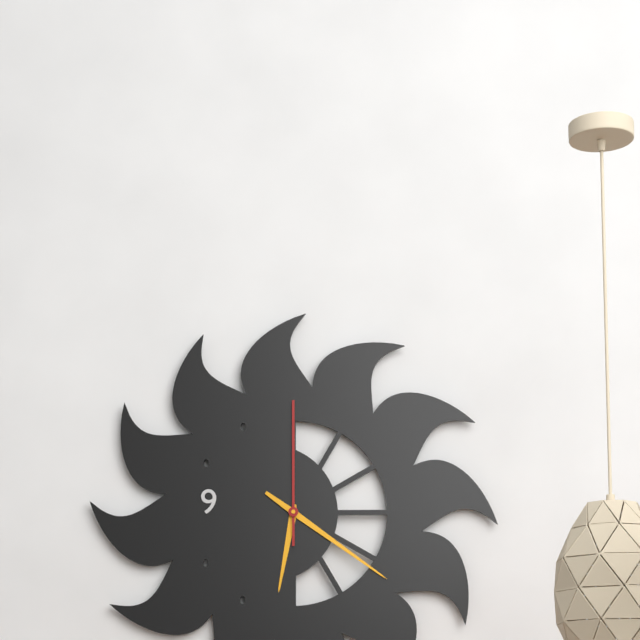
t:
6:21:00
